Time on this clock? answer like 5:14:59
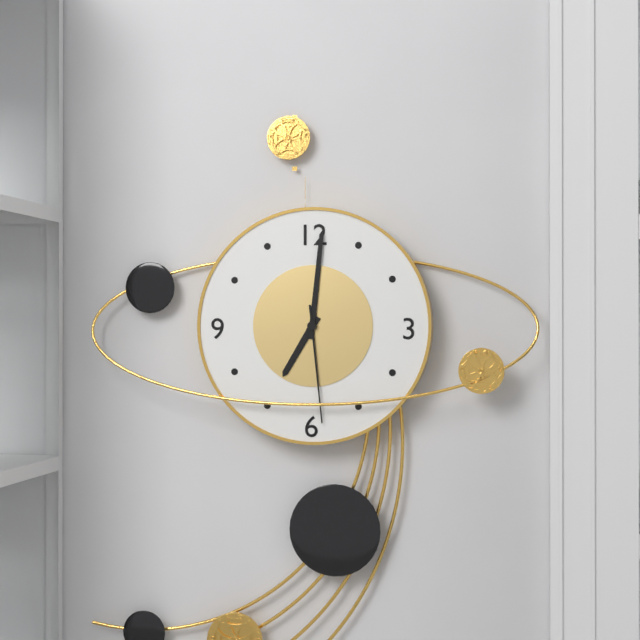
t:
7:01:29
